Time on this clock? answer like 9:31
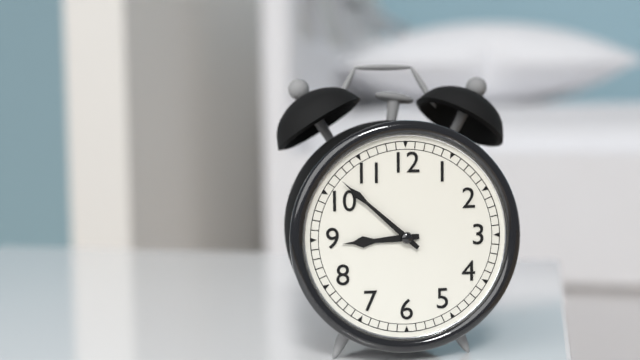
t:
8:52
